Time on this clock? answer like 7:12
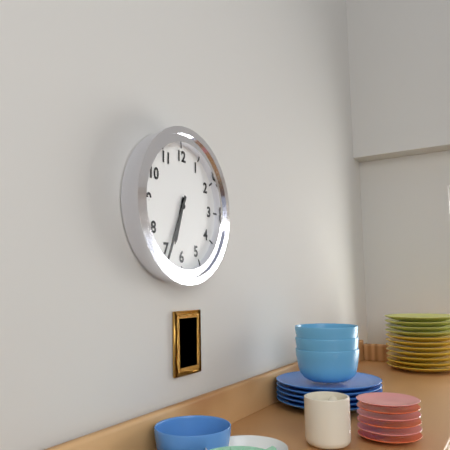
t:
6:34
